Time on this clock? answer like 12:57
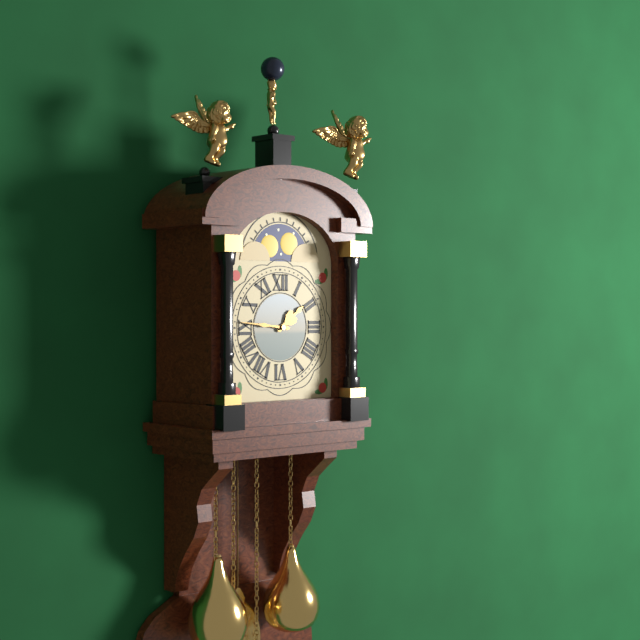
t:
1:46
